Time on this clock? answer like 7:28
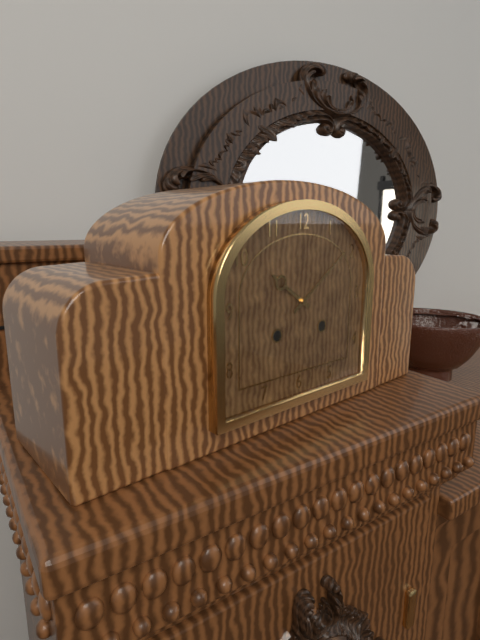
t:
10:09
